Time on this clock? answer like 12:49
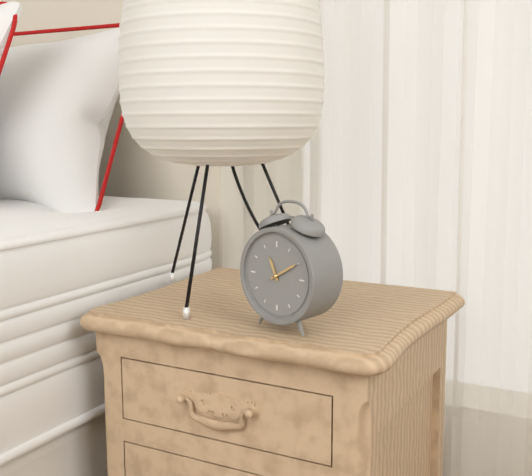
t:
11:10
